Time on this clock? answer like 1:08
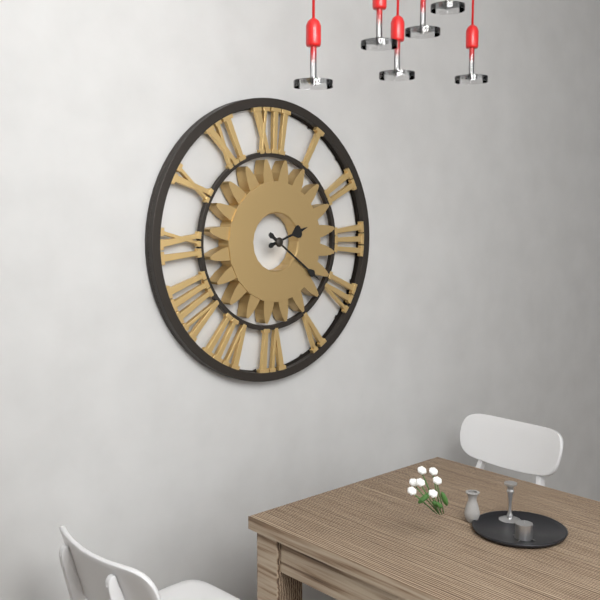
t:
2:21
